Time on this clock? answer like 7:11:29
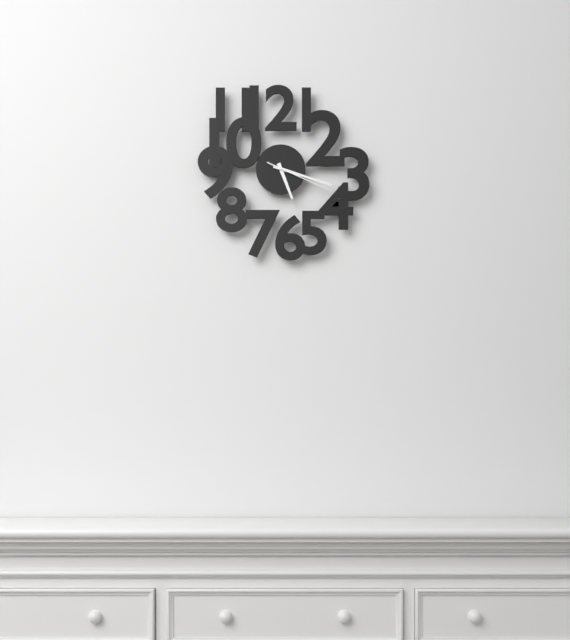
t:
5:18:19
